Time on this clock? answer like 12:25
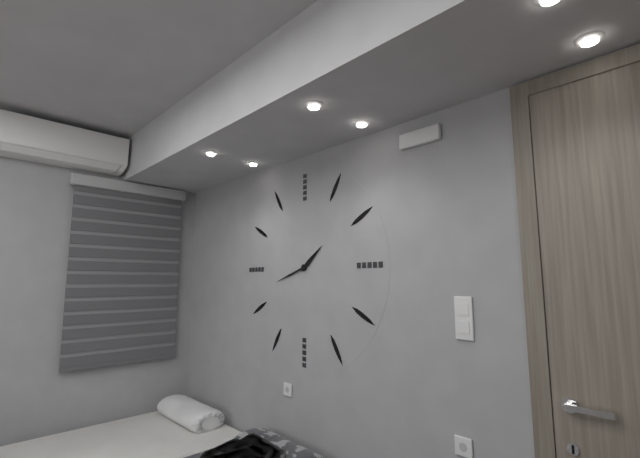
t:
1:42
